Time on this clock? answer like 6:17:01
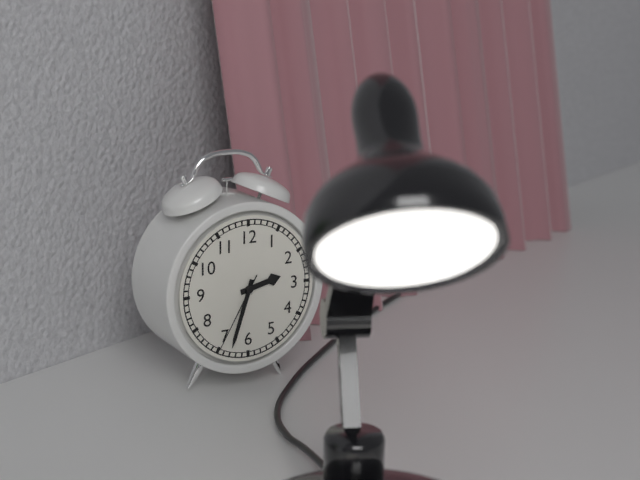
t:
2:33:35
